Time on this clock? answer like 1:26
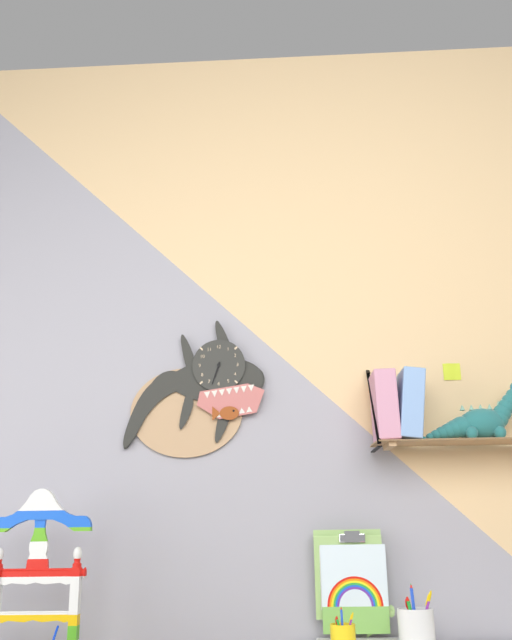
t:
6:33
